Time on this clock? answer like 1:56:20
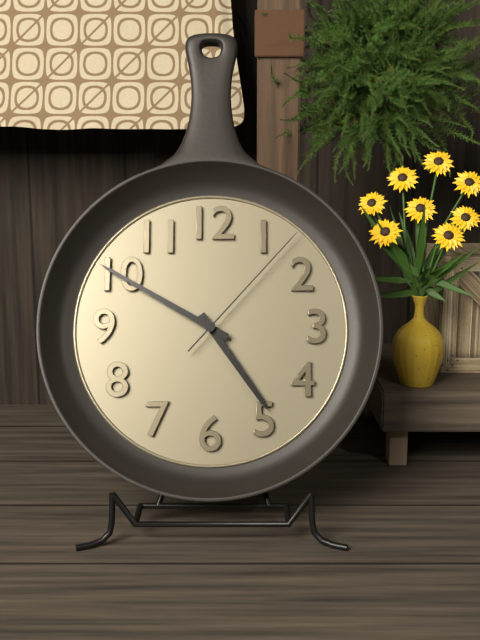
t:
4:50:07
